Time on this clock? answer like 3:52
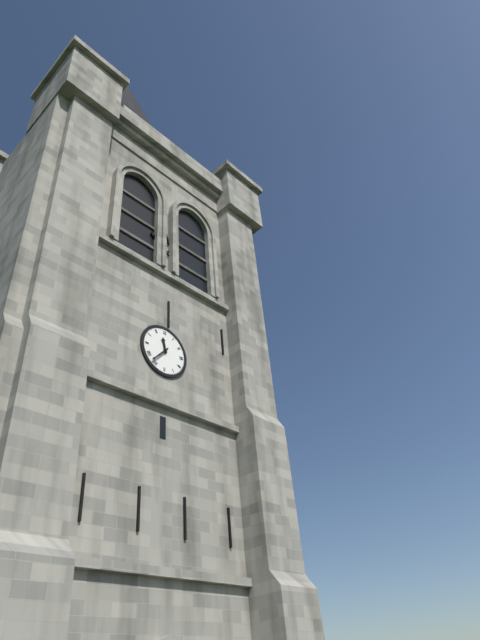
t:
11:37
